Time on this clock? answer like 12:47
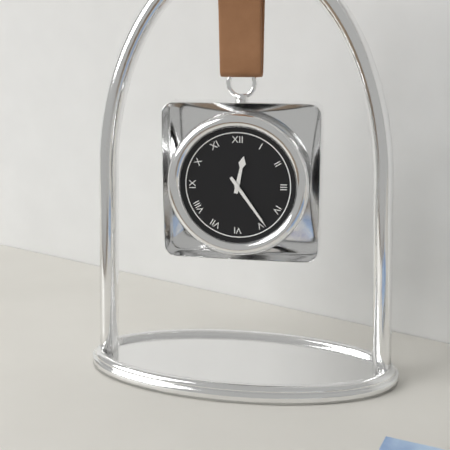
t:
12:24
